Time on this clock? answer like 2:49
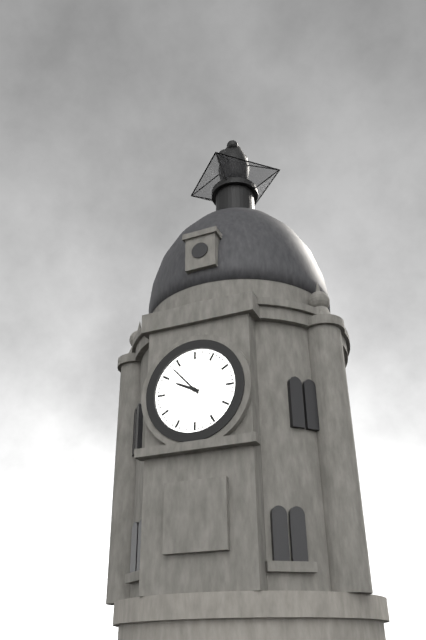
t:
9:53
